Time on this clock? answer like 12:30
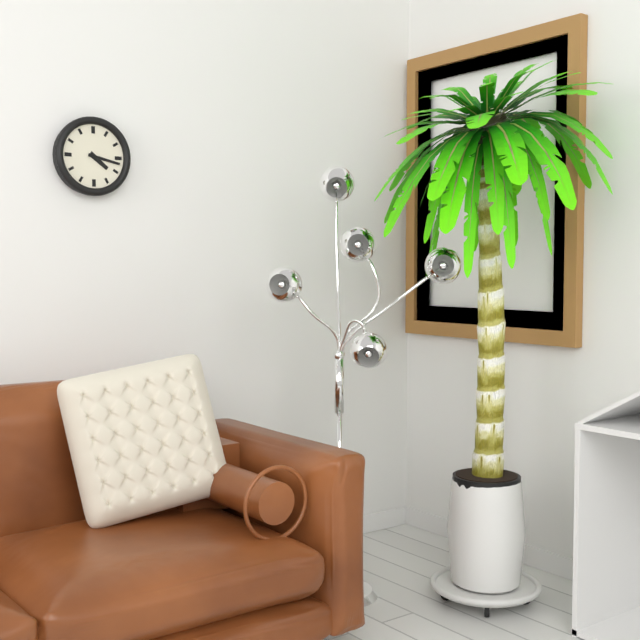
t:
4:17
